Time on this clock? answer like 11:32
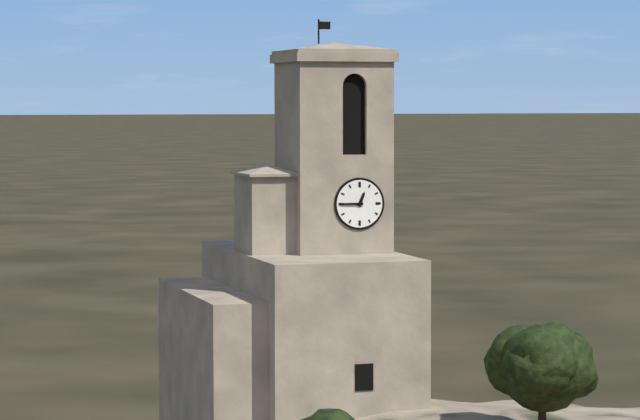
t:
12:45
